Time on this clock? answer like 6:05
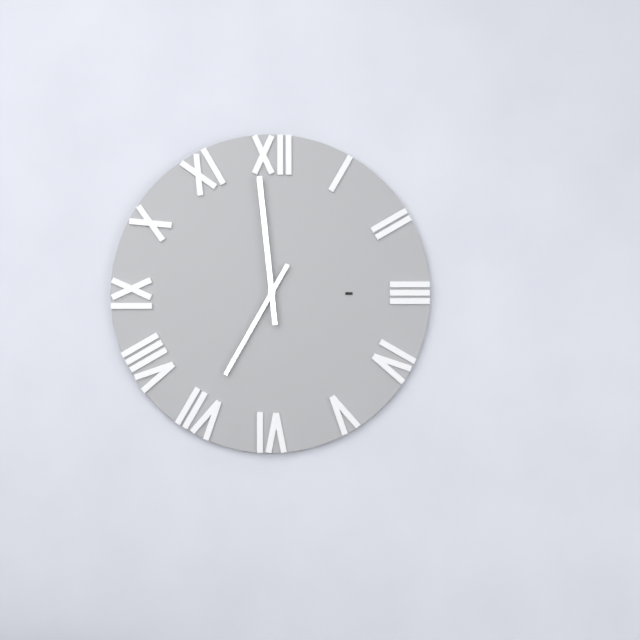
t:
6:59
